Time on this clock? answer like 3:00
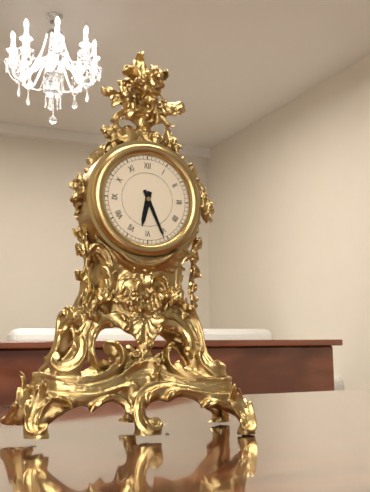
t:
6:26
